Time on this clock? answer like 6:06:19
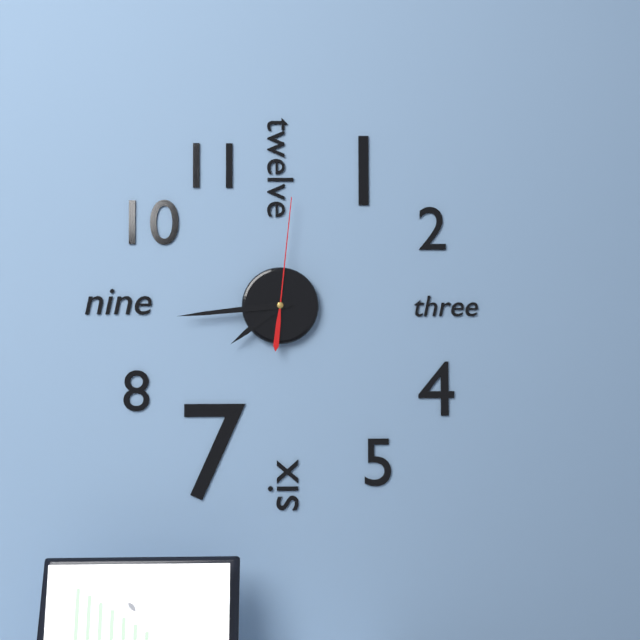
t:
7:44:01
